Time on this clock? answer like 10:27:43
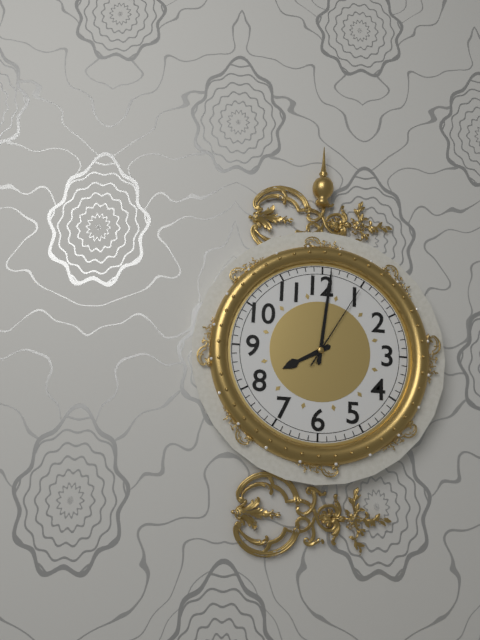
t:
8:01:05
